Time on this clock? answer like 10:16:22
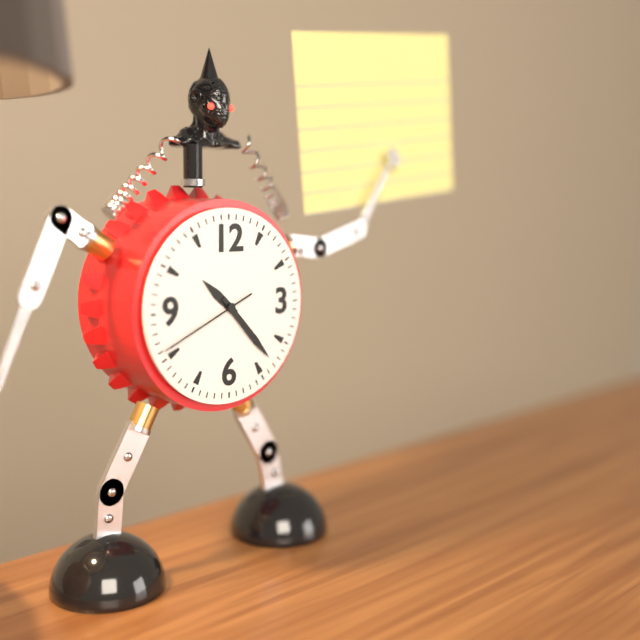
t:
10:23:41
